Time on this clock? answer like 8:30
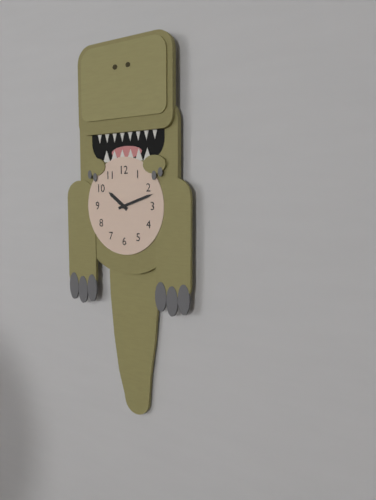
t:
10:12
